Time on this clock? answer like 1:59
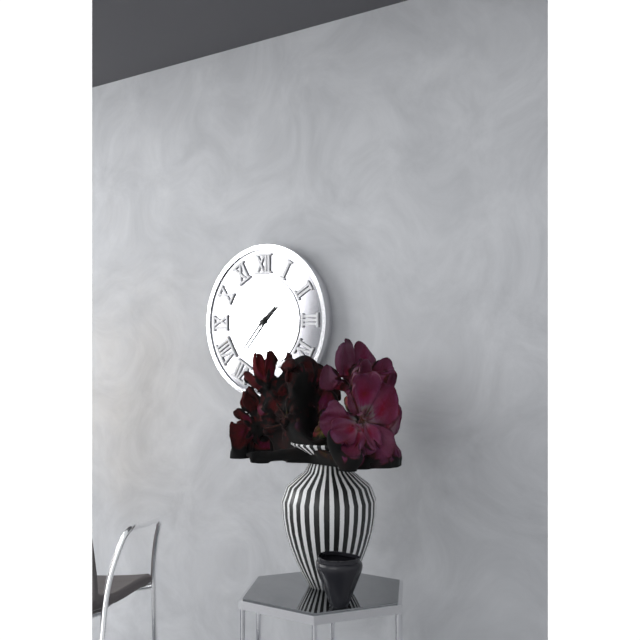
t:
1:37
